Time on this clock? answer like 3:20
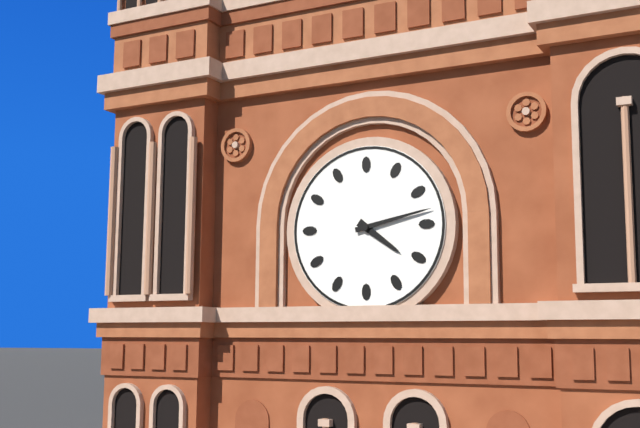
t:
4:13
